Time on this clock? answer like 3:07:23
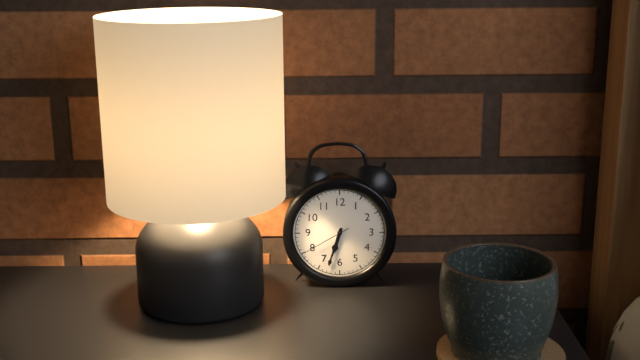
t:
6:33:40
